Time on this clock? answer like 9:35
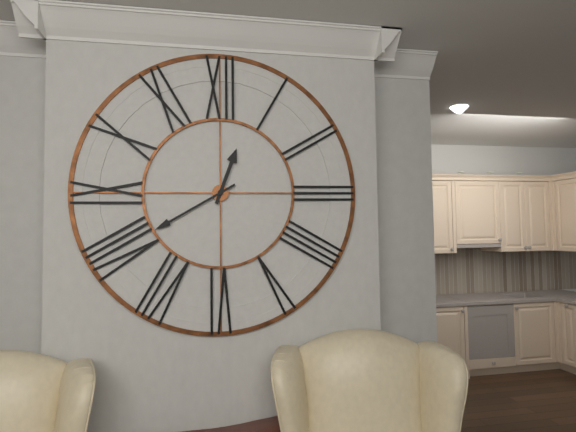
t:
12:40
